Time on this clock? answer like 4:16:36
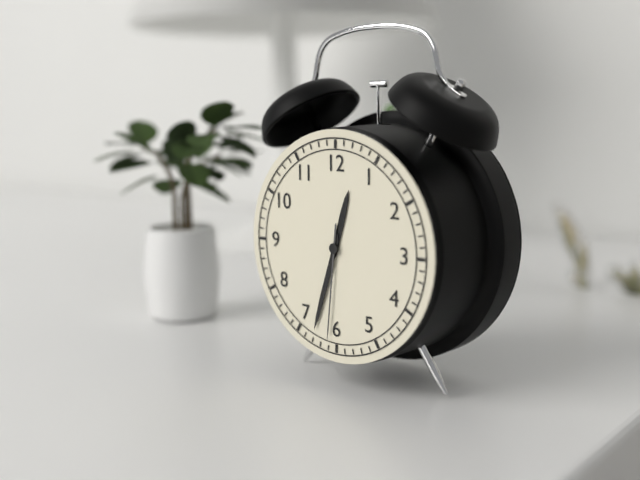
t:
12:33:31
